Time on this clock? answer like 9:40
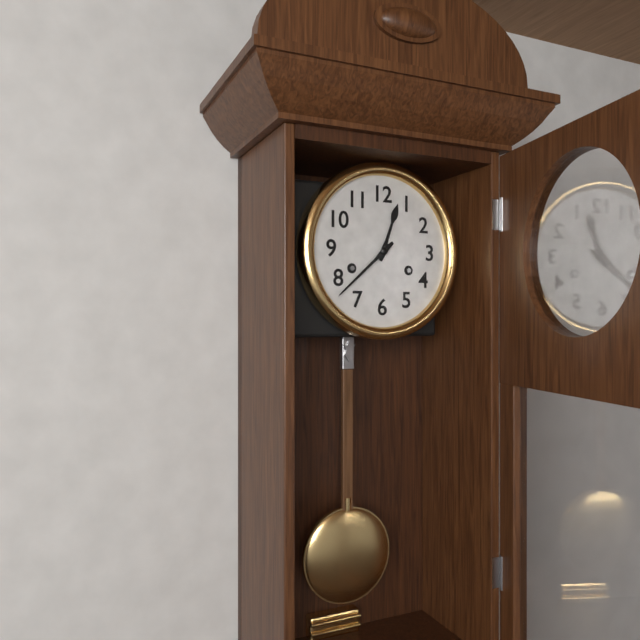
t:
12:38
